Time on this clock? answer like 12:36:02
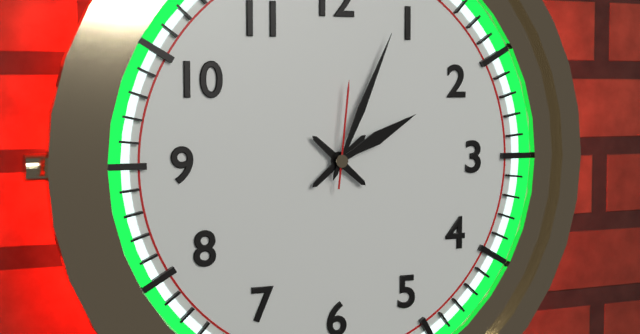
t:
2:04:01
